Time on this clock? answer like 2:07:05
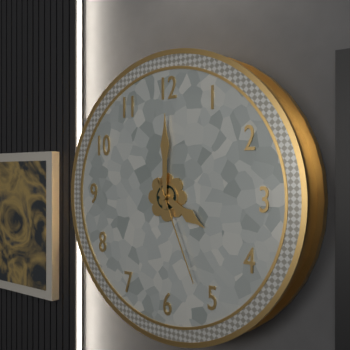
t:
4:00:26
